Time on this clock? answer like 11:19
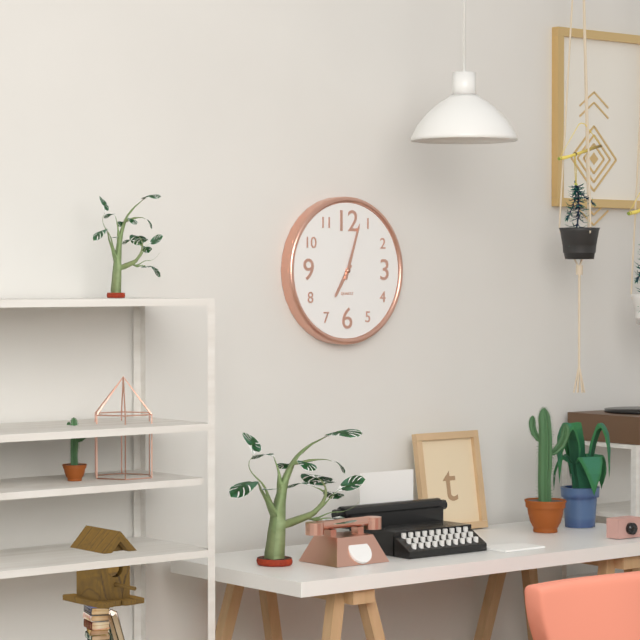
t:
7:03
